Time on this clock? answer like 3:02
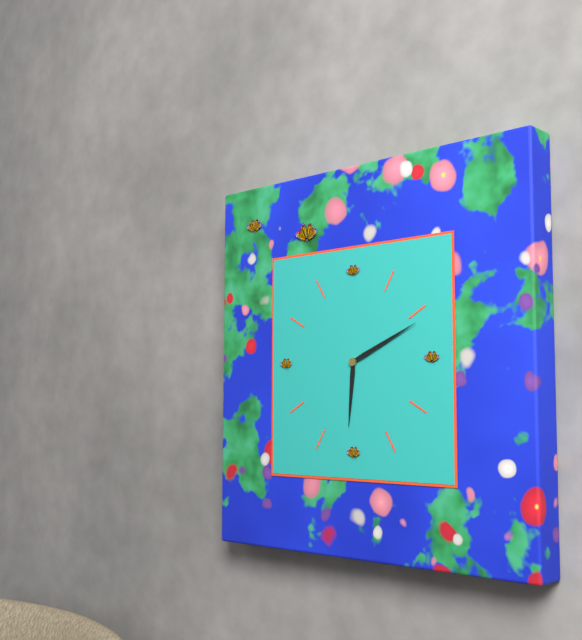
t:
6:11
